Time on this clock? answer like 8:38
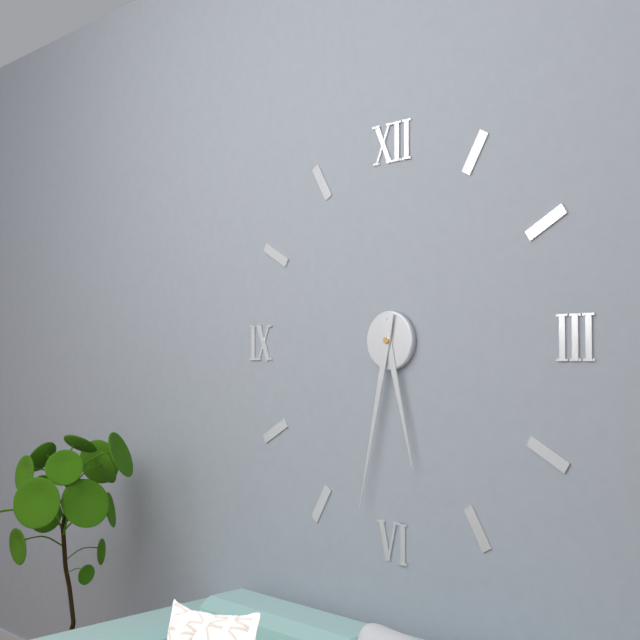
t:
5:32
